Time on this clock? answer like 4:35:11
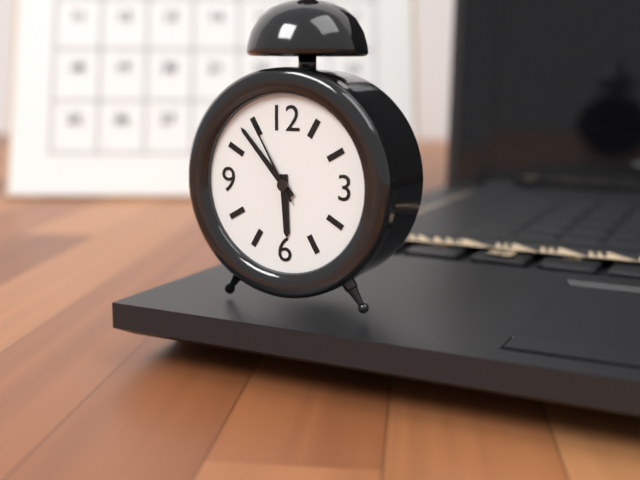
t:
5:53:55
